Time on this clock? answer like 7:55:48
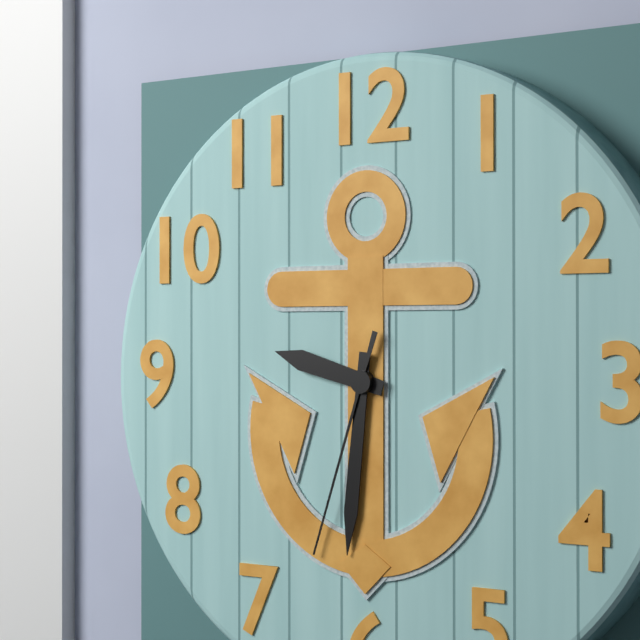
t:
9:31:33
